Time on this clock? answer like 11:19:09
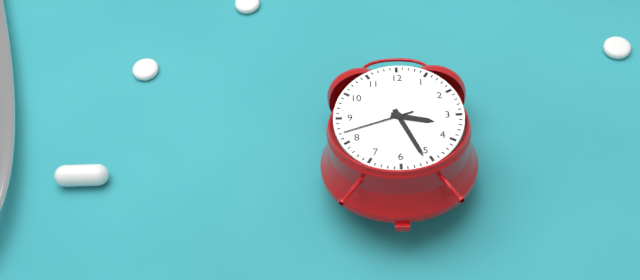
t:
3:26:42
